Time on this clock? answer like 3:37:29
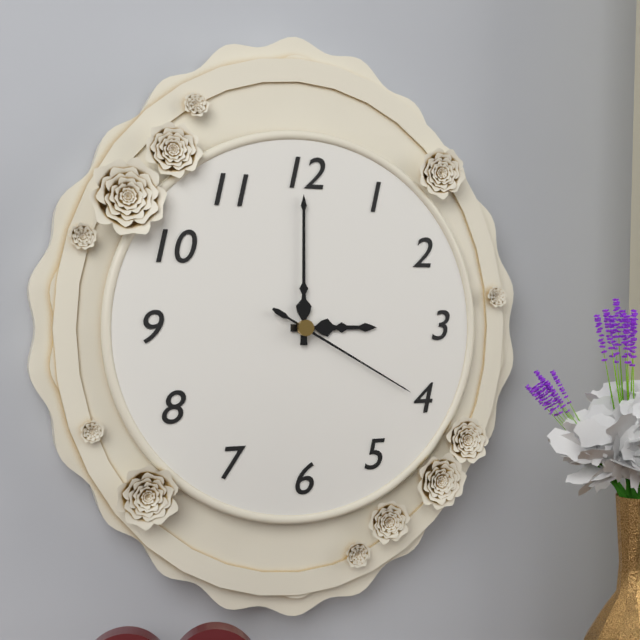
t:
3:00:20
